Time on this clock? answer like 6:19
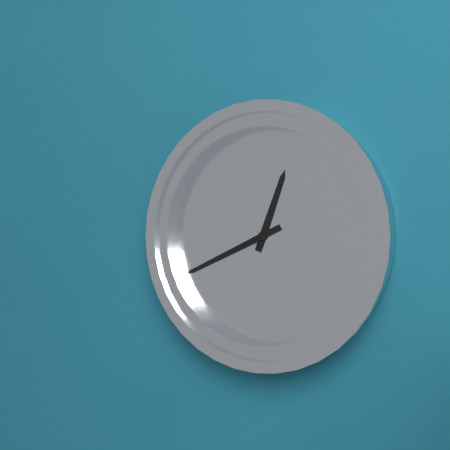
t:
12:41
